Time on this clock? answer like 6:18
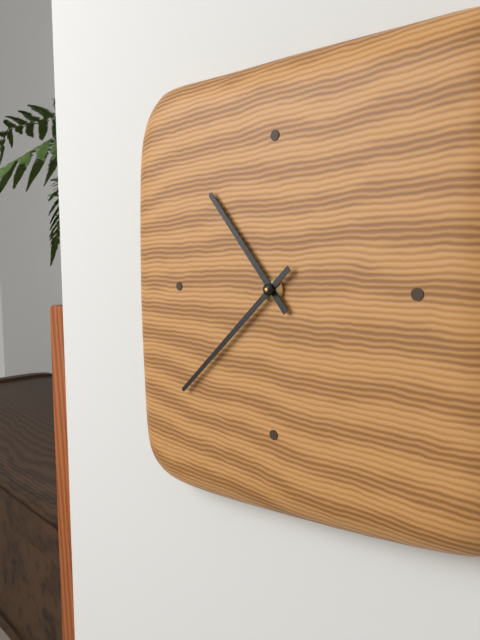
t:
10:38
